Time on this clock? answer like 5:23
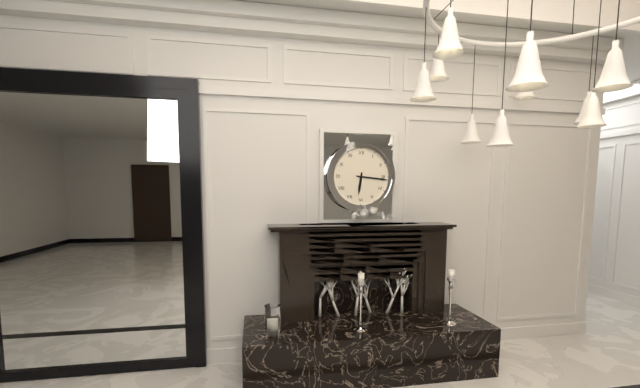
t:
6:16
